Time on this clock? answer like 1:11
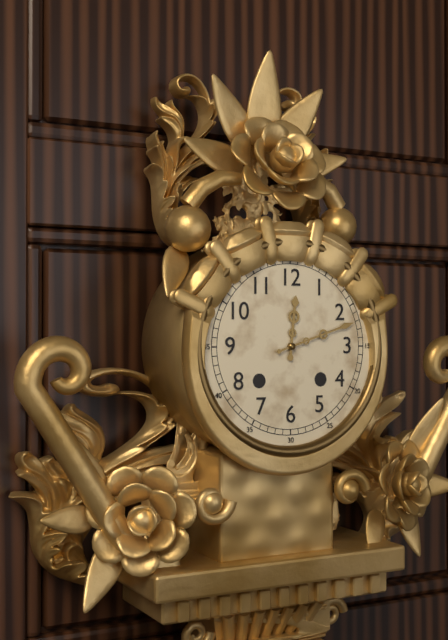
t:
12:12
